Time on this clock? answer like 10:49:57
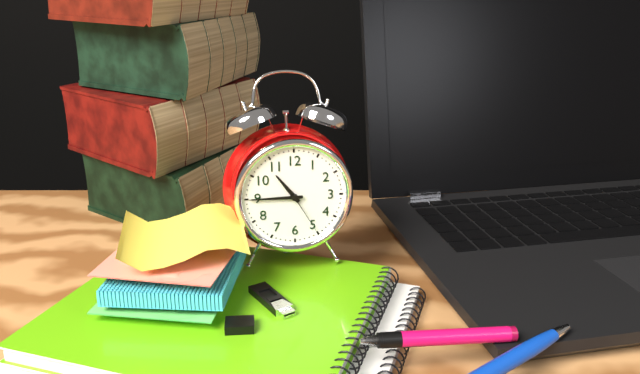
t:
10:45:25
